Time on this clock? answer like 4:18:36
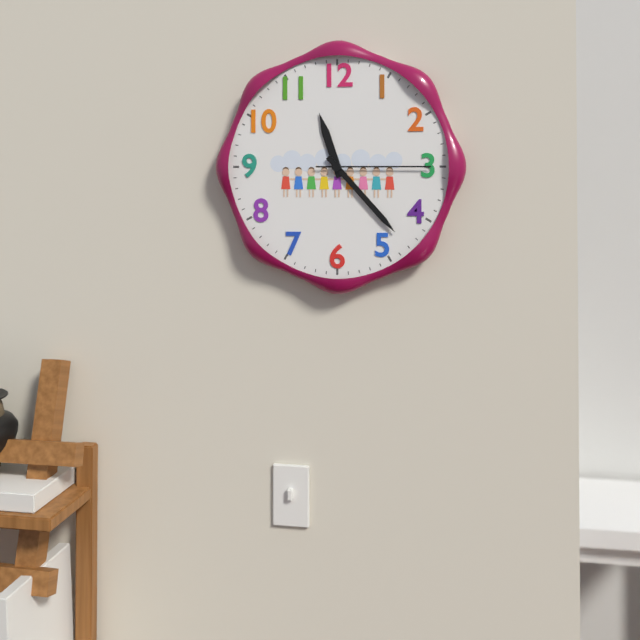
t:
11:23:15
